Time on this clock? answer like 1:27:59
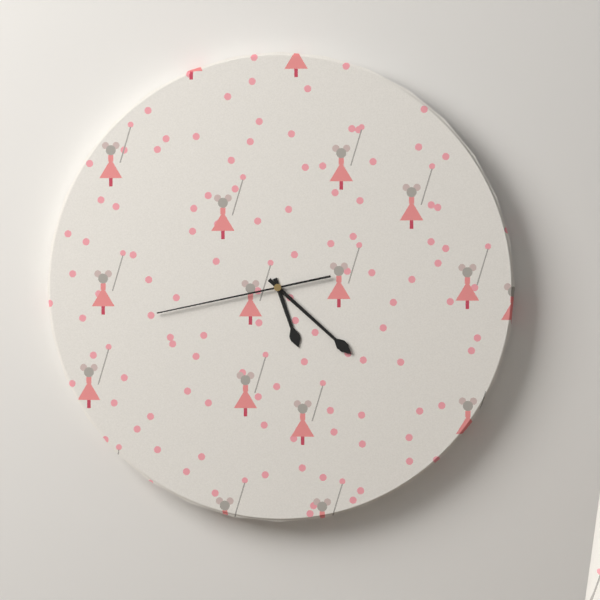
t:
5:22:43
